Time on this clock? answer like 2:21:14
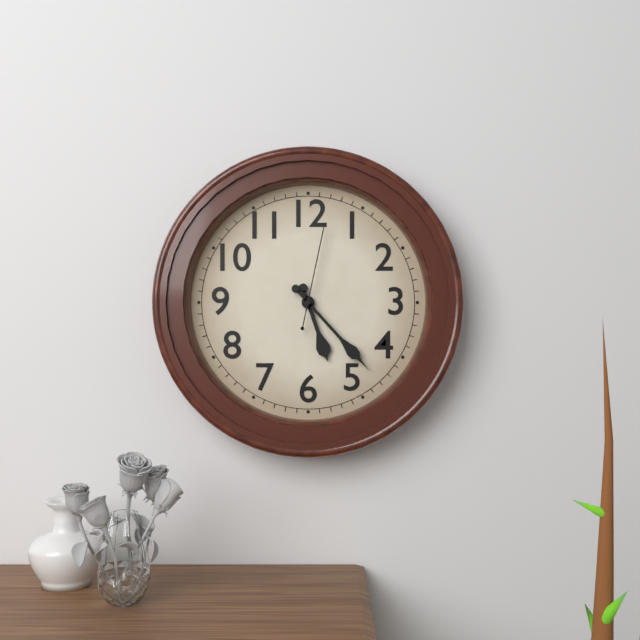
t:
5:23:02
